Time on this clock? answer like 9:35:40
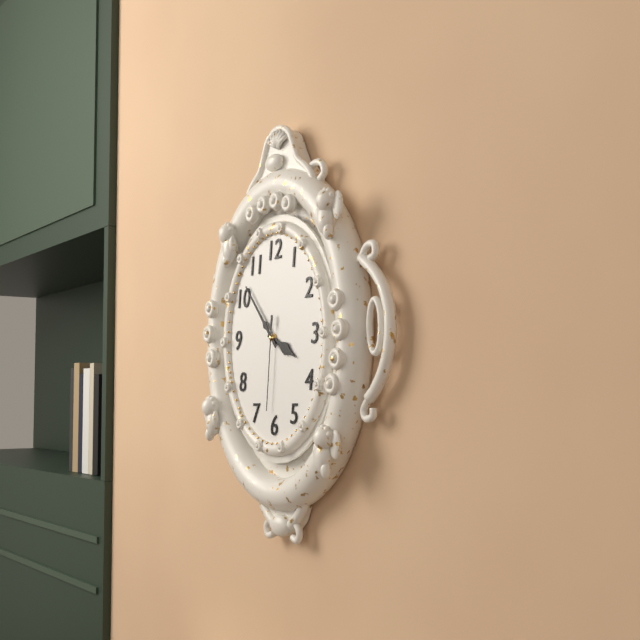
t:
3:53:31
